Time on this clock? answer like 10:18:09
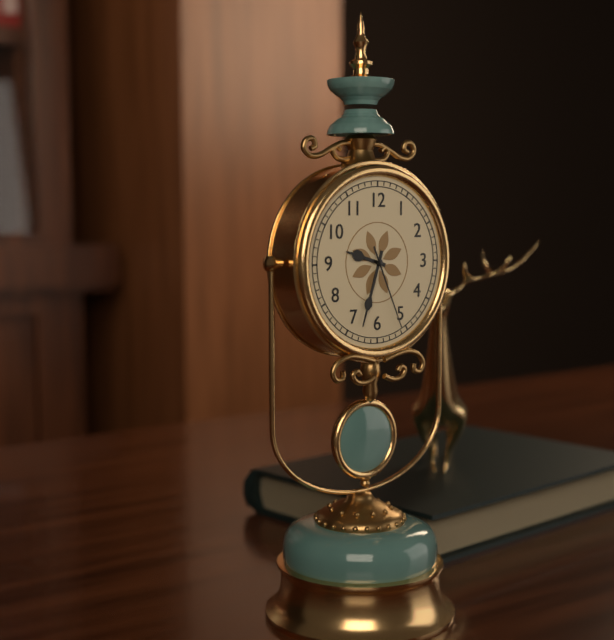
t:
9:33:26
